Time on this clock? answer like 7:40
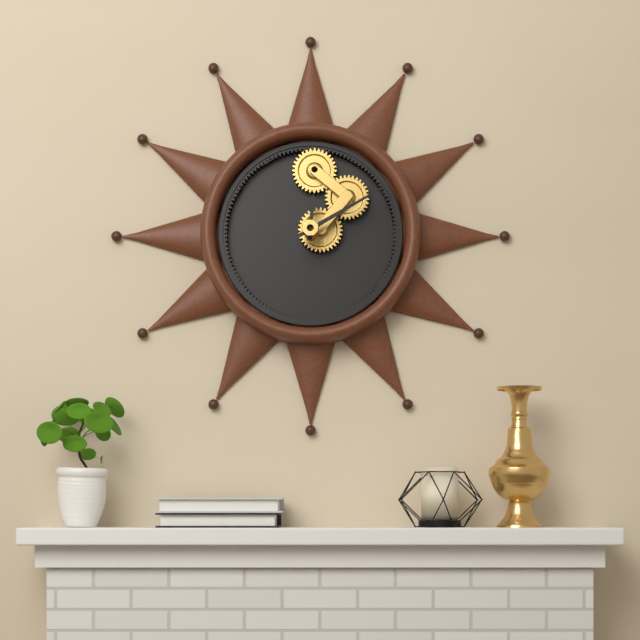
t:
12:10
